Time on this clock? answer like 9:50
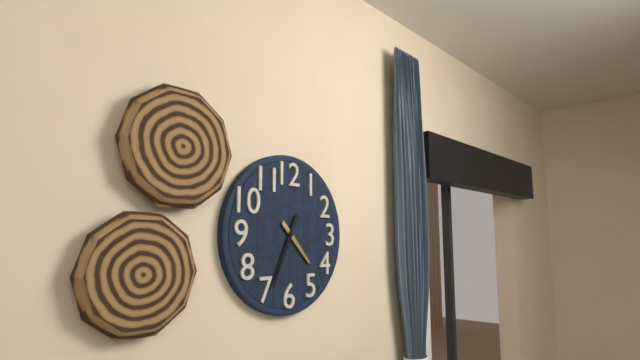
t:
4:34
